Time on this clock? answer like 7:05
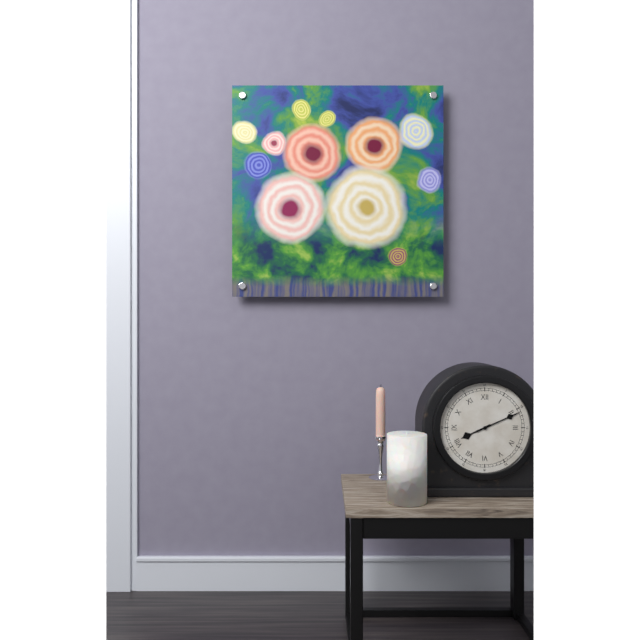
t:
8:11
